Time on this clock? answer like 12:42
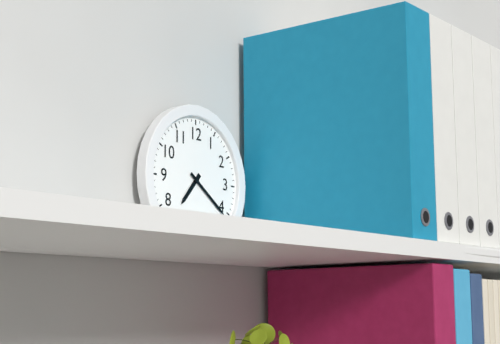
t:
7:21
